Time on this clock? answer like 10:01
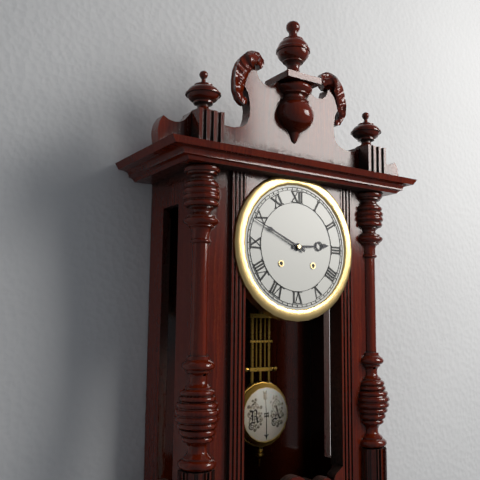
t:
2:49
